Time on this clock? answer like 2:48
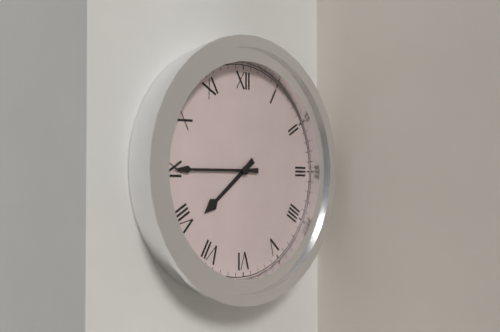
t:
7:45
